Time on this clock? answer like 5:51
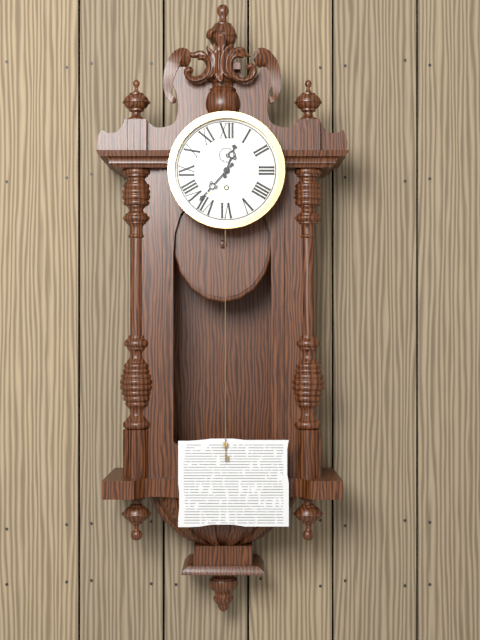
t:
12:37
